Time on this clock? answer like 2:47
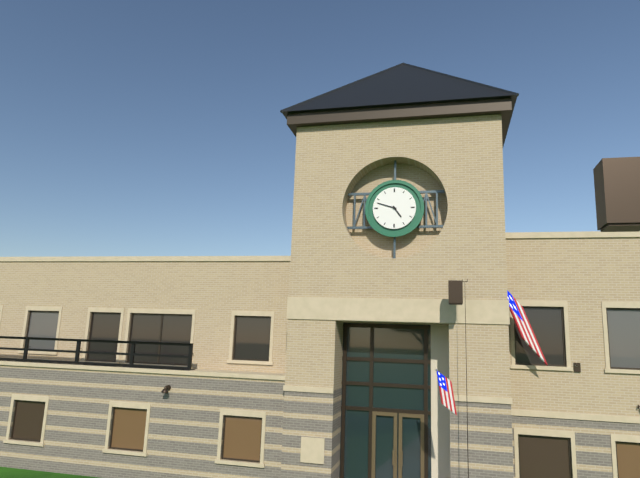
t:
4:48
